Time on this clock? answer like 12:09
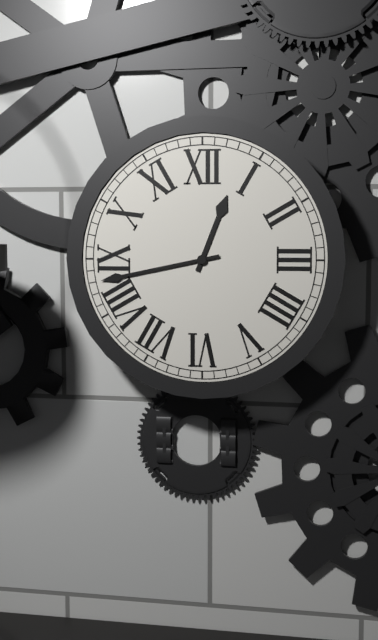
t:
12:43
